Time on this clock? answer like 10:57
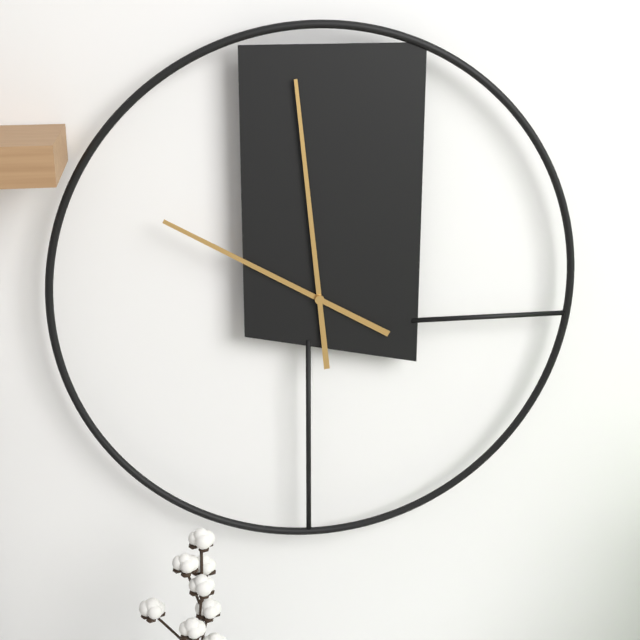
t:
9:59
